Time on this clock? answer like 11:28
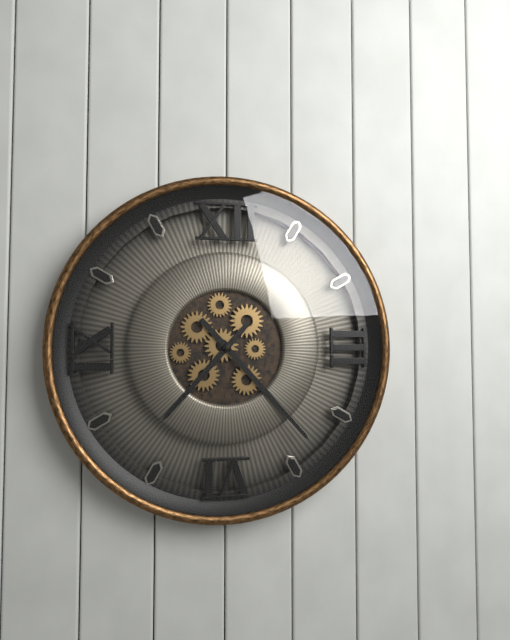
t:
7:23
